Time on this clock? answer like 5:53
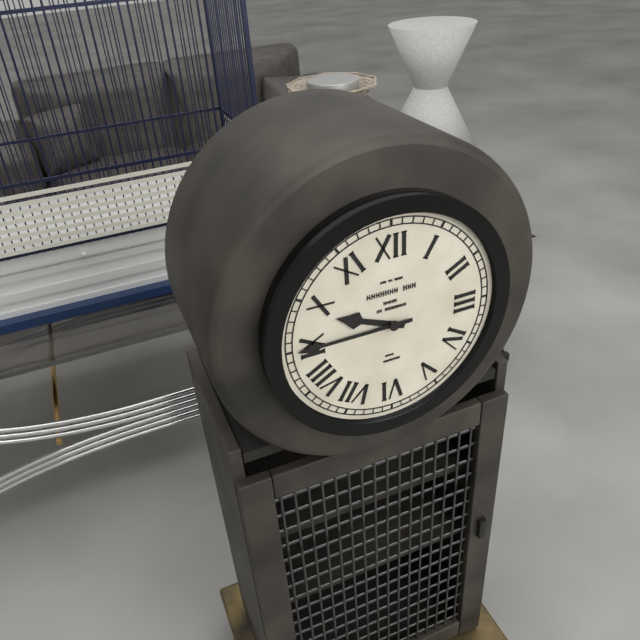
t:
9:45
